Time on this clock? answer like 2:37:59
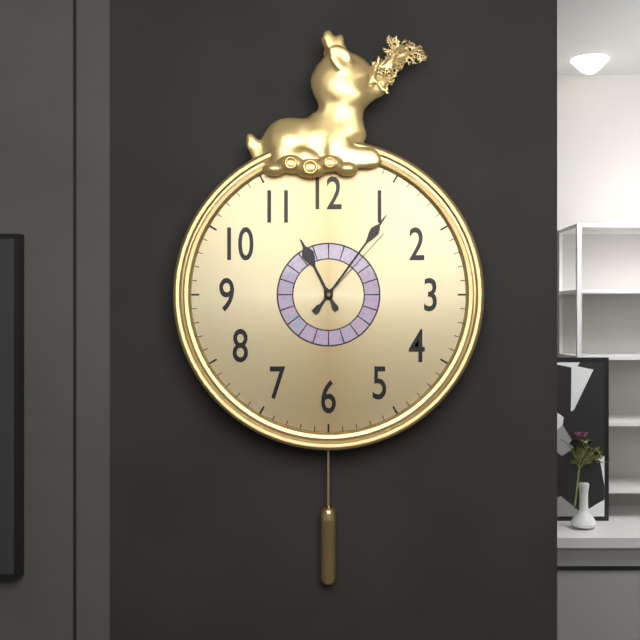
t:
11:06:07
